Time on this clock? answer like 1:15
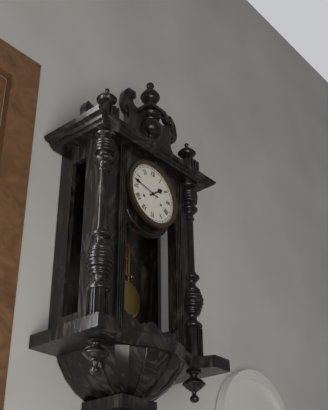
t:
1:47
